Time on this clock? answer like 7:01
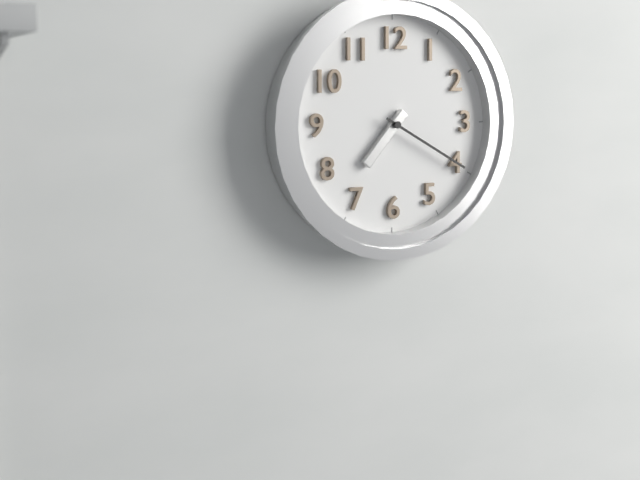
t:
7:20
